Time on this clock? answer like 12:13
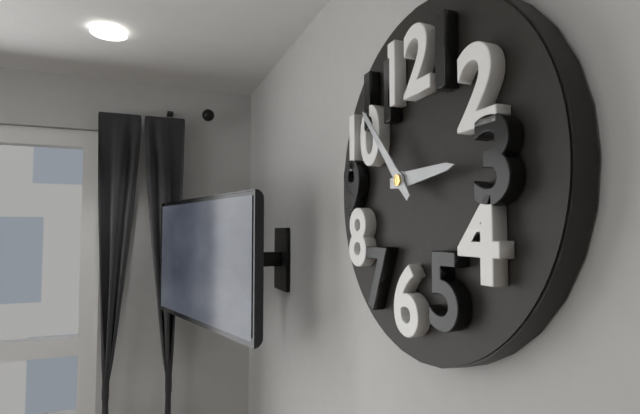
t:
2:53
